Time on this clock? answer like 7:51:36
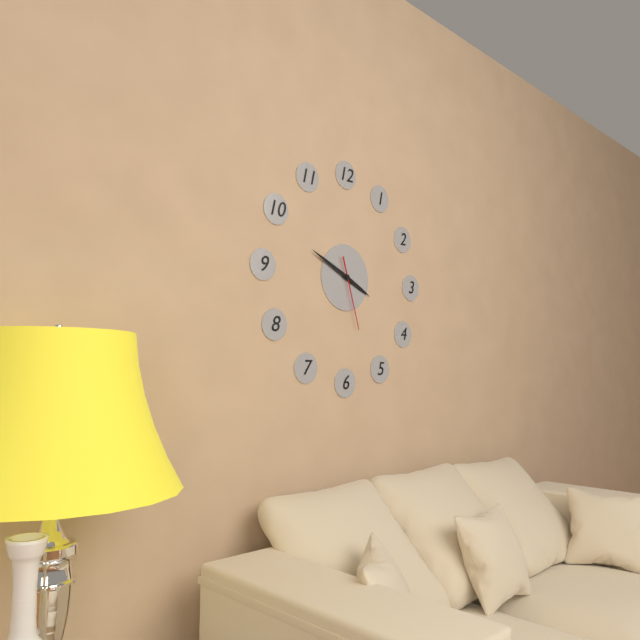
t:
3:49:27
